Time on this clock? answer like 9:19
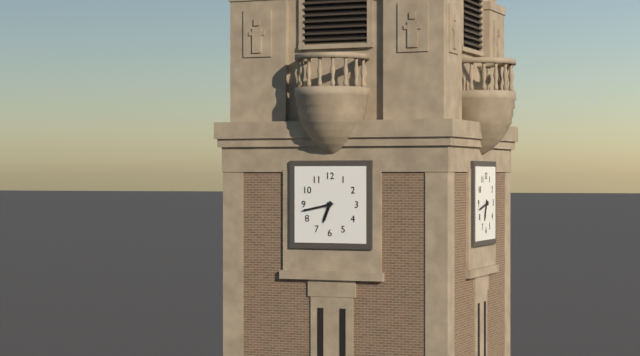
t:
6:43
